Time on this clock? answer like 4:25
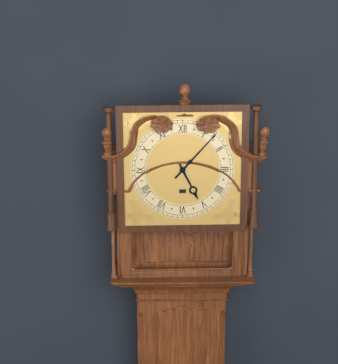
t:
5:07
